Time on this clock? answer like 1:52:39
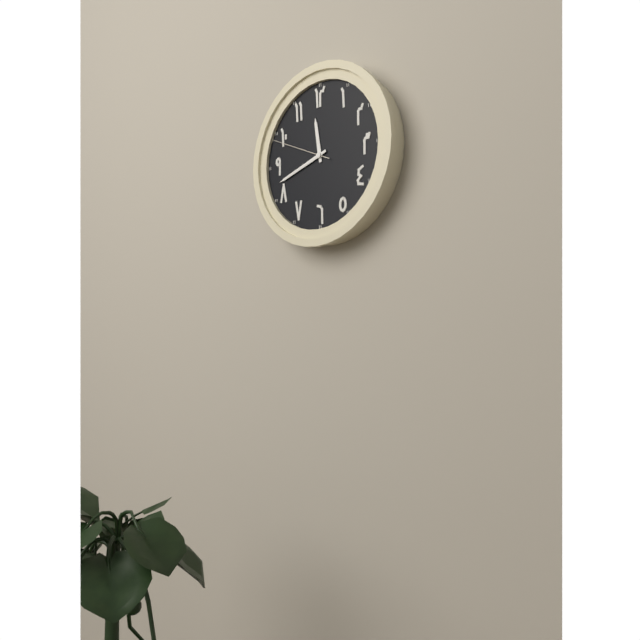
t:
11:42:49
